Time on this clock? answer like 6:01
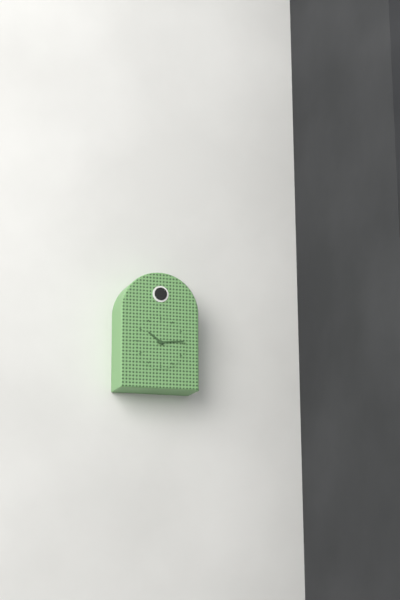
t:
10:14
